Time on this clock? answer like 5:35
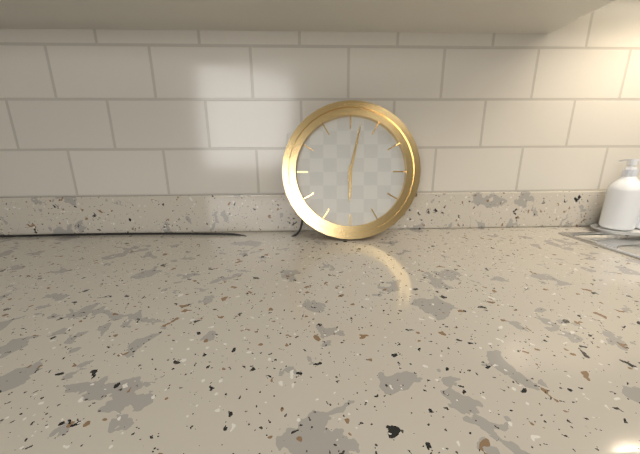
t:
6:02
